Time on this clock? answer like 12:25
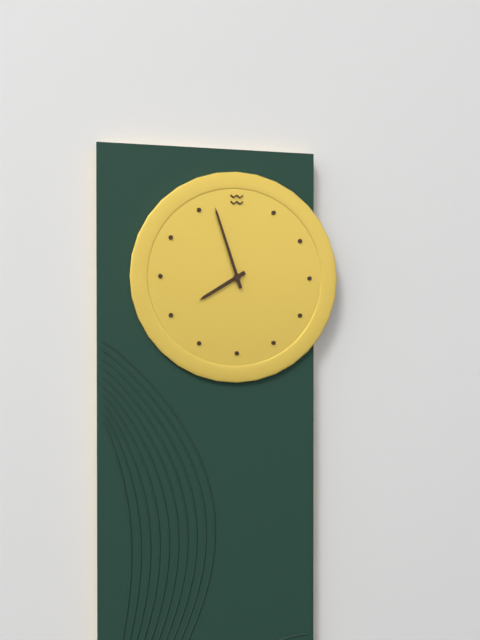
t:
7:57
